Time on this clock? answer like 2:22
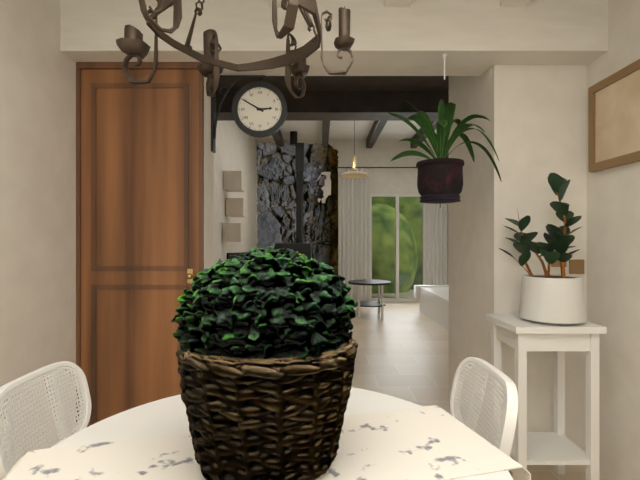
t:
2:50
